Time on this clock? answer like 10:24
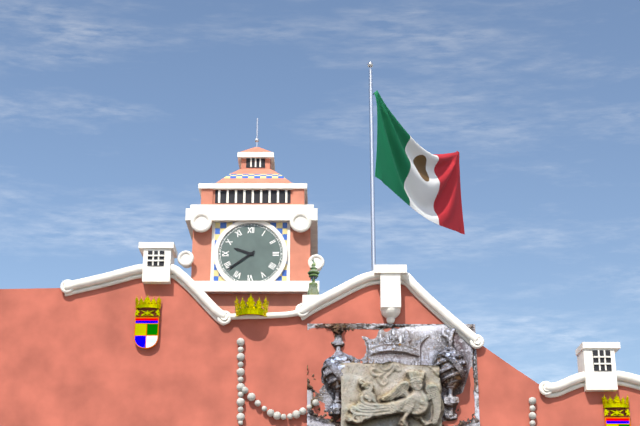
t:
9:39
